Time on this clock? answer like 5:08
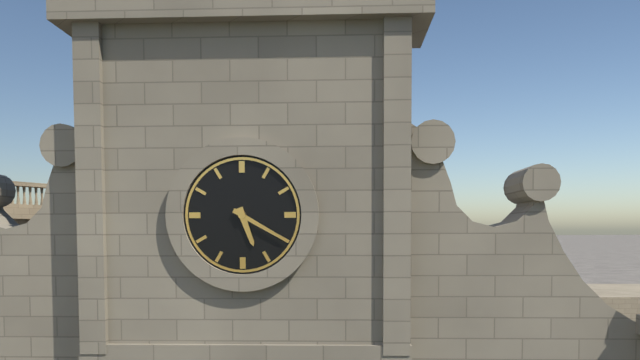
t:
5:20
